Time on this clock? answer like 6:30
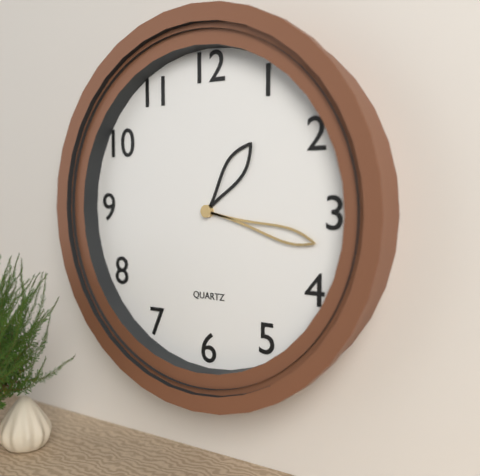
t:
1:17
